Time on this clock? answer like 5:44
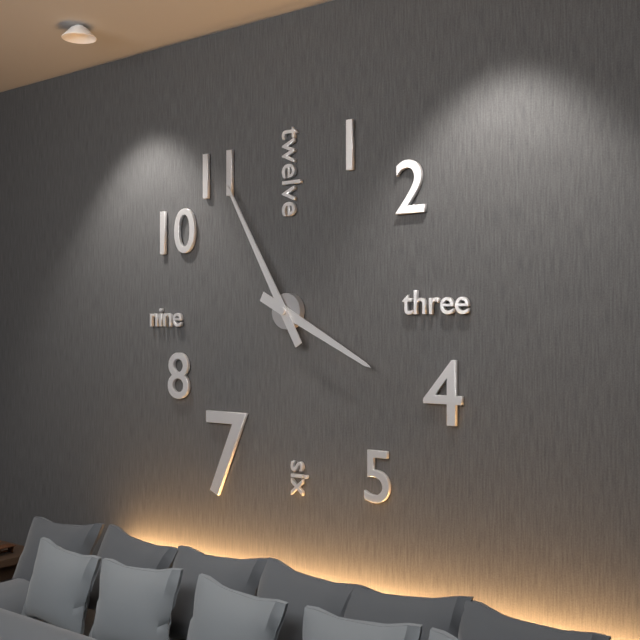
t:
3:55
